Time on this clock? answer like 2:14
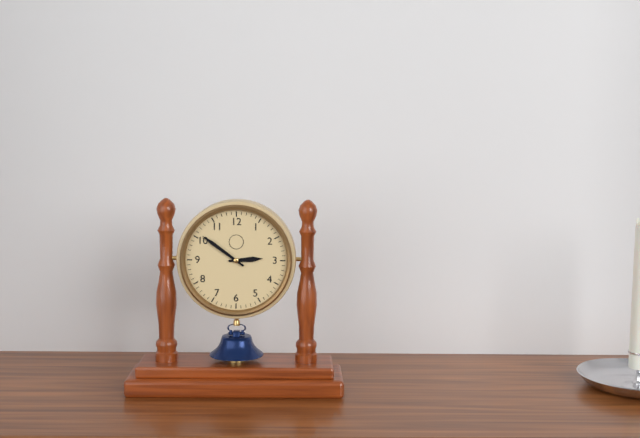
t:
2:51
